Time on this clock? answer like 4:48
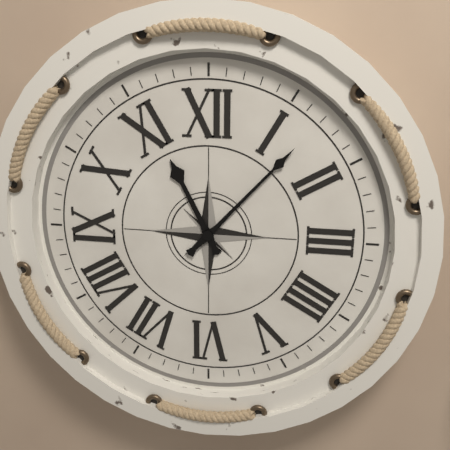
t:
11:07
